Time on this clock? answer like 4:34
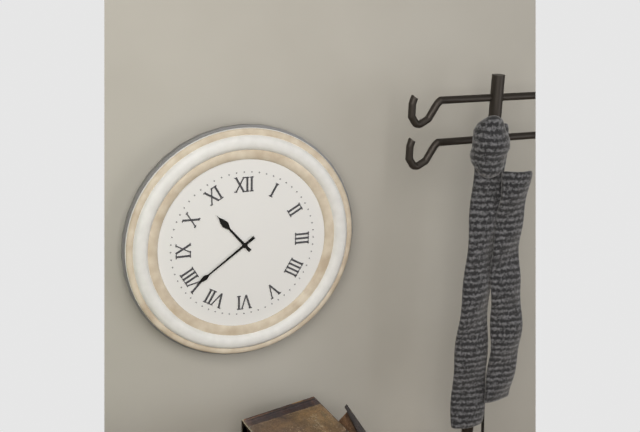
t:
10:39
